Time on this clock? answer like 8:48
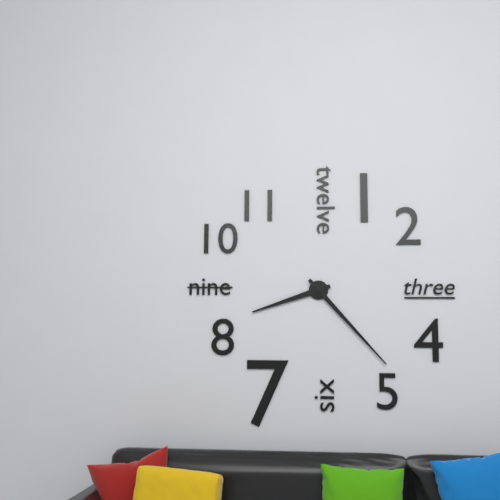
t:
8:23
